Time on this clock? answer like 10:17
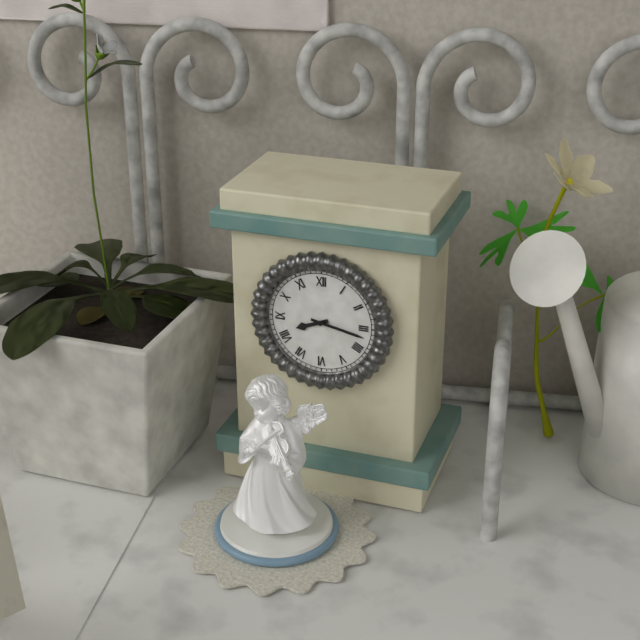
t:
8:17
